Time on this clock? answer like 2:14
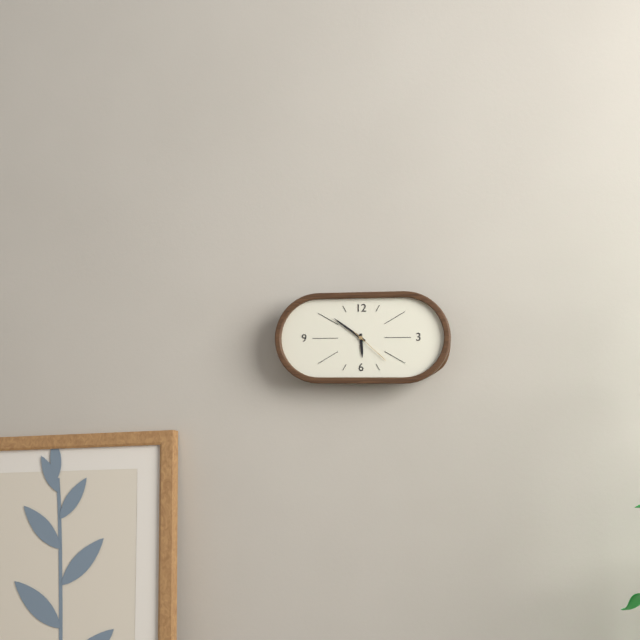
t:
5:51
